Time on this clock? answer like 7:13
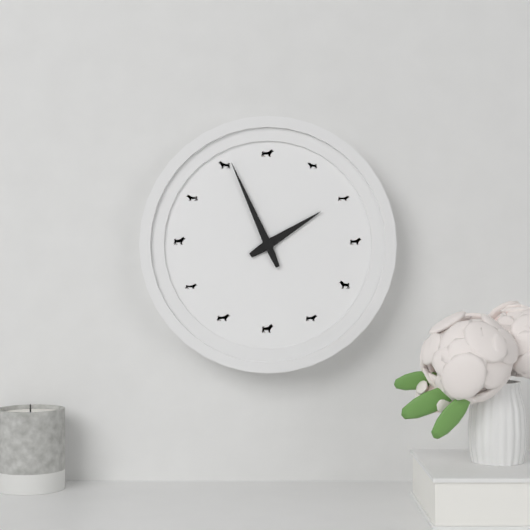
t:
1:56
